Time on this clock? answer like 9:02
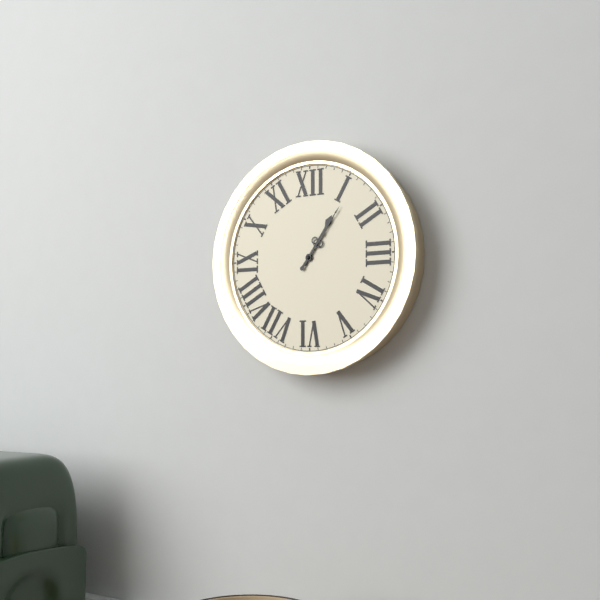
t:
1:06
